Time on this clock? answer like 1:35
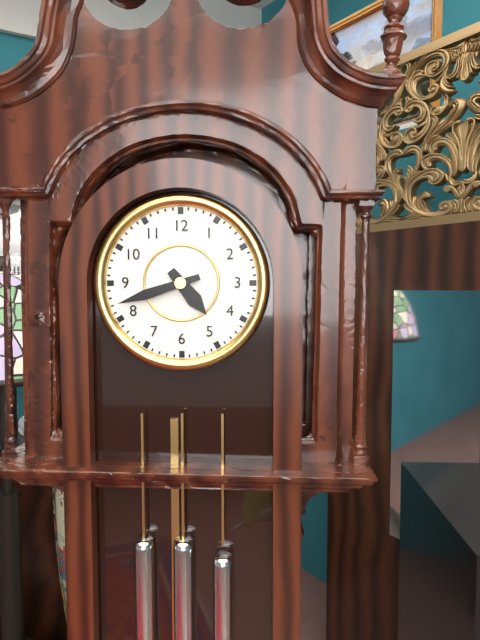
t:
4:42
